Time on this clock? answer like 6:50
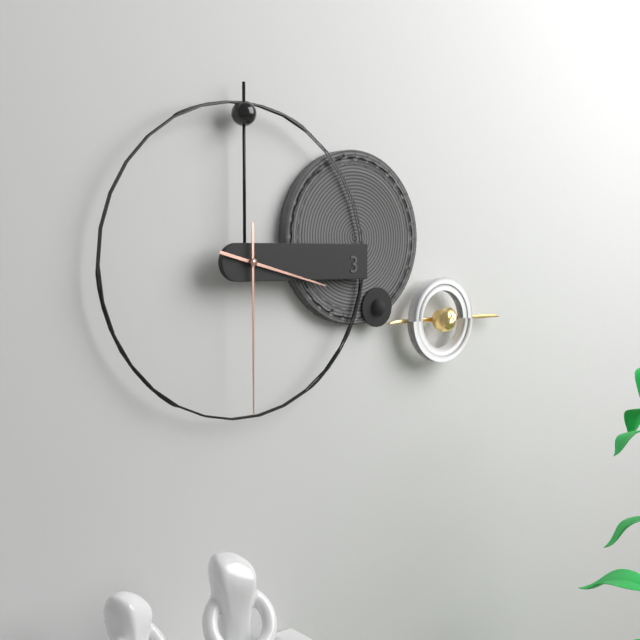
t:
3:30
